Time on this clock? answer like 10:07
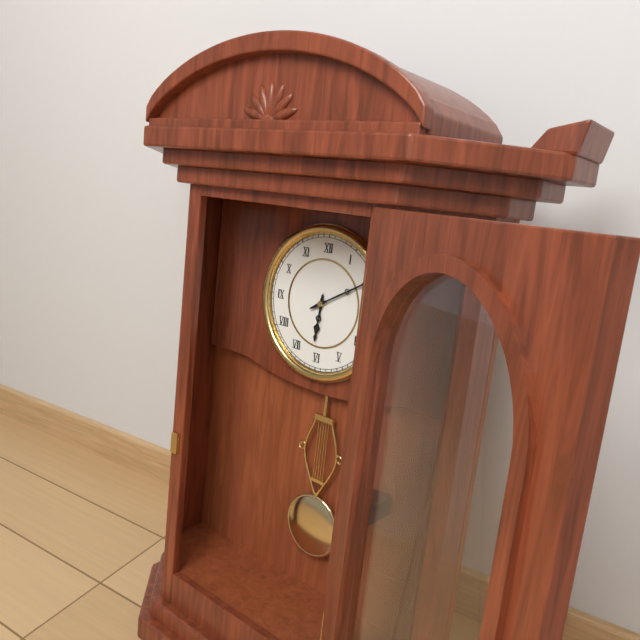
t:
6:10
